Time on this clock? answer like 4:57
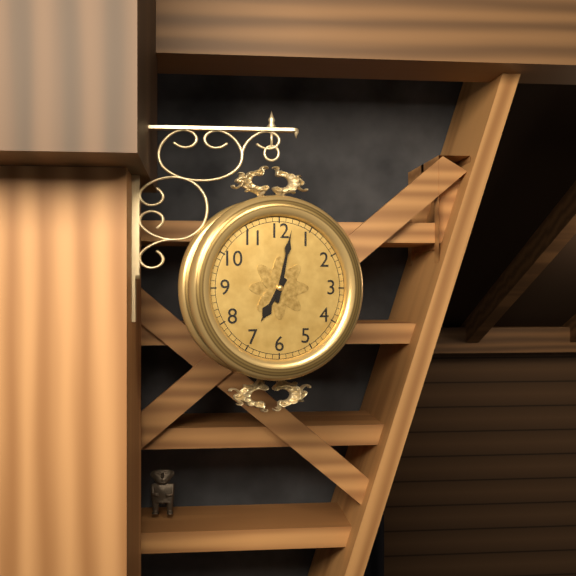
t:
7:02
